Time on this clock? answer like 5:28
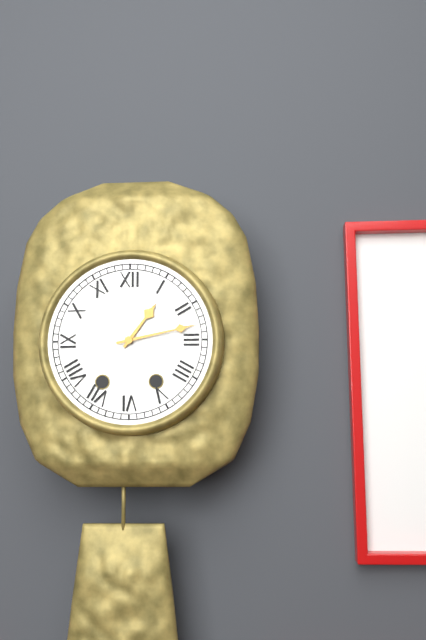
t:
1:13
